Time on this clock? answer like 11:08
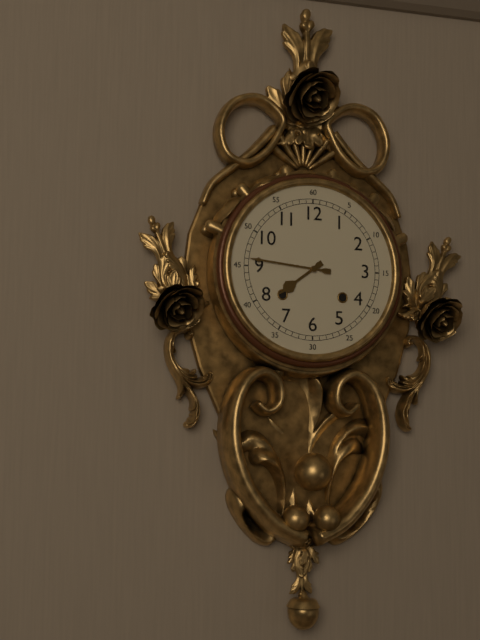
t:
7:46
